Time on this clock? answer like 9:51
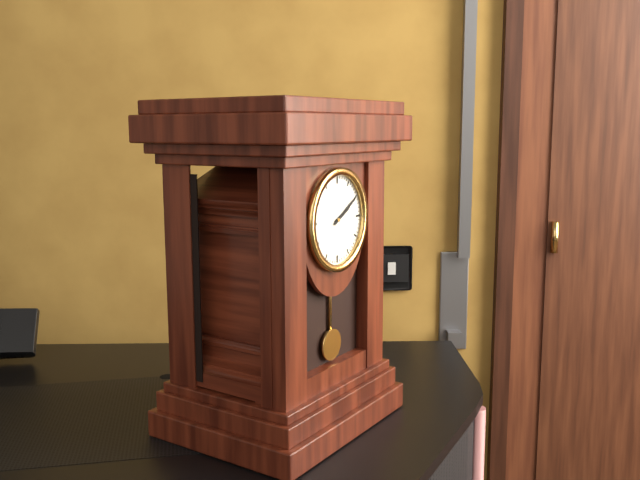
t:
2:10
